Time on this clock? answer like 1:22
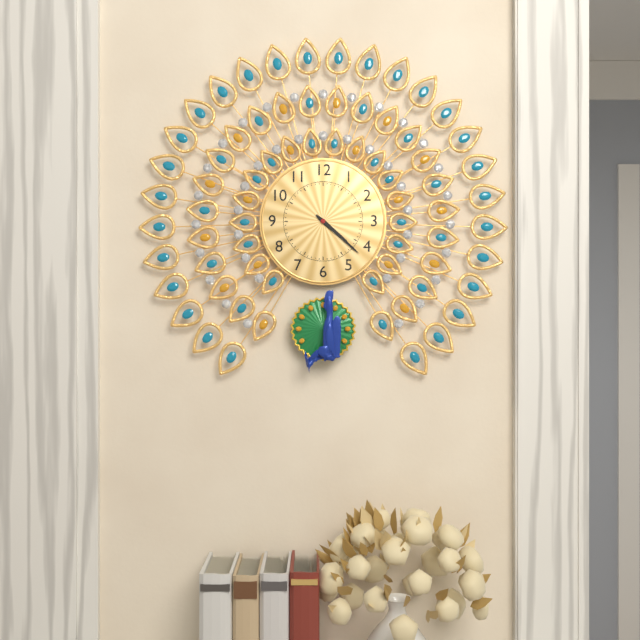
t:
4:22
